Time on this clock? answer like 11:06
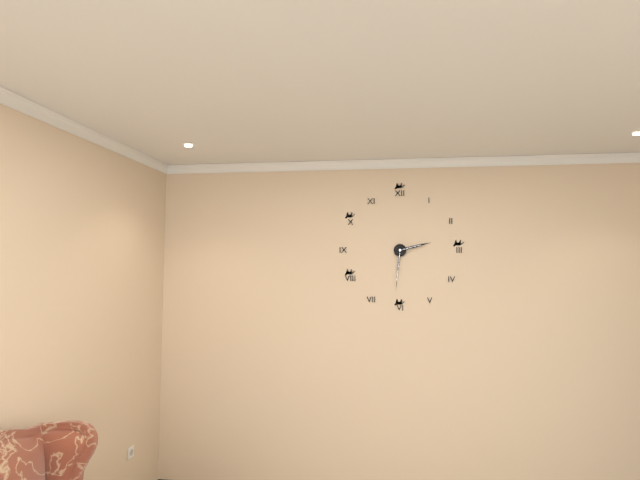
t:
2:31
